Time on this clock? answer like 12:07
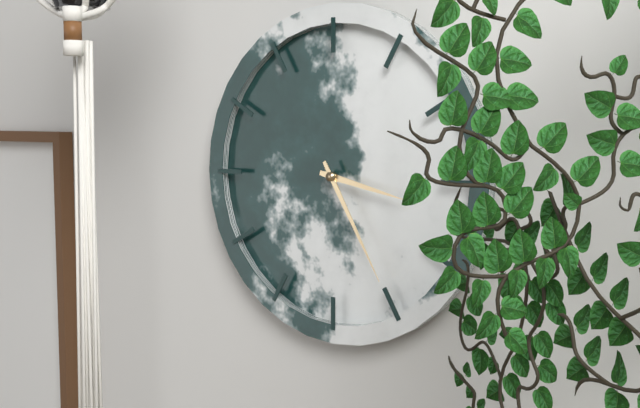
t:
3:25
